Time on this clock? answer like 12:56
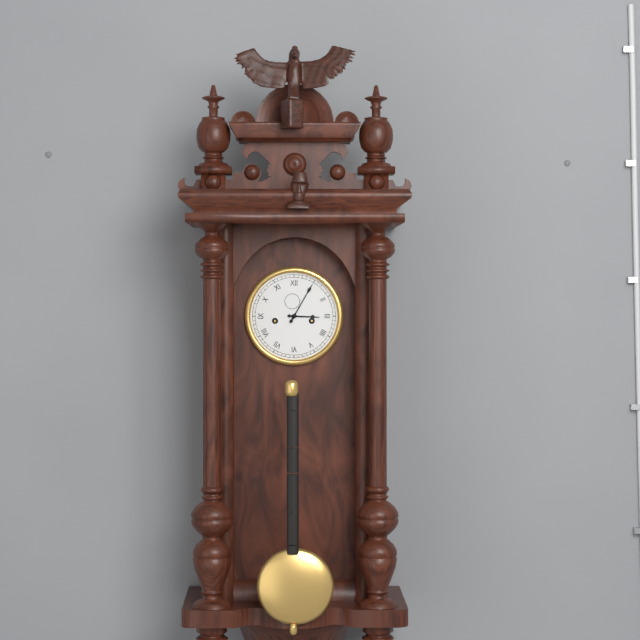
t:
3:05
